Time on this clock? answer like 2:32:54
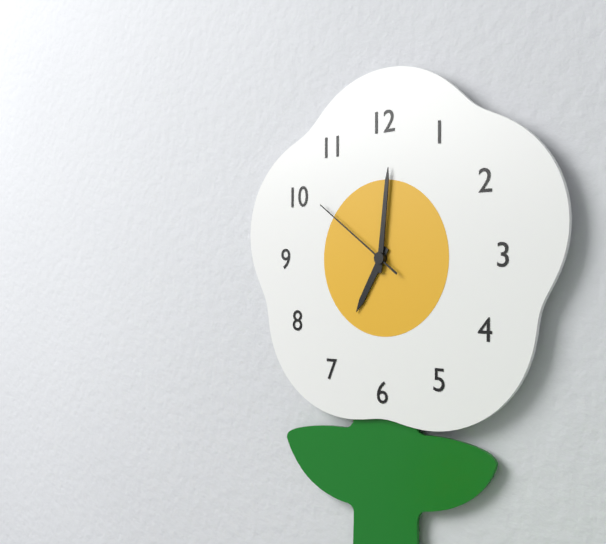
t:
7:01:51
